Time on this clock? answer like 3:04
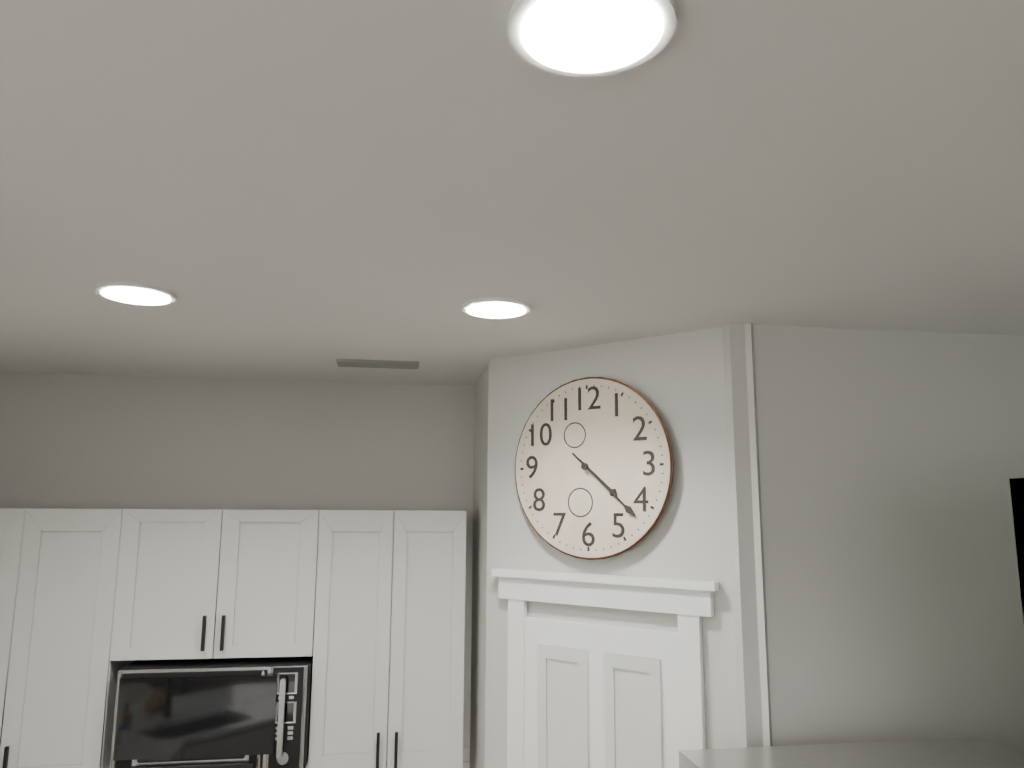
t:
4:22
